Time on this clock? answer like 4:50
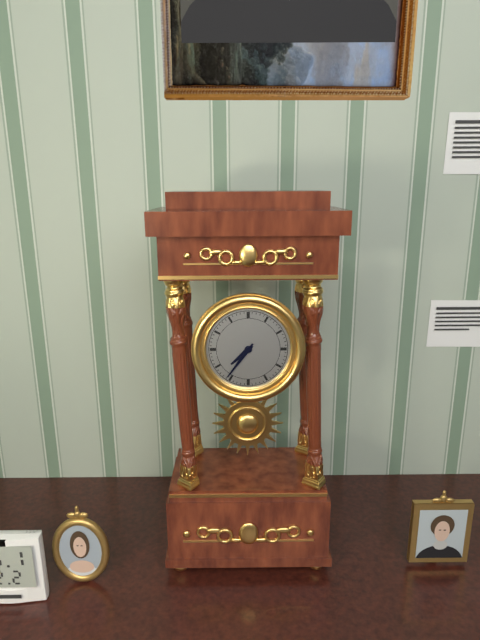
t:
7:36
